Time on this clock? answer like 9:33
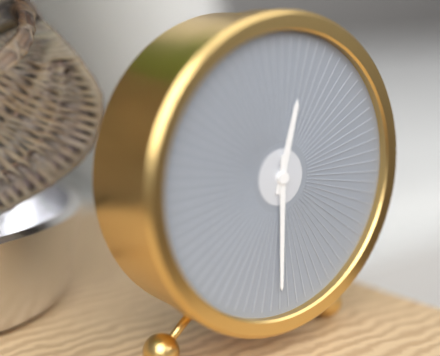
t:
12:30
